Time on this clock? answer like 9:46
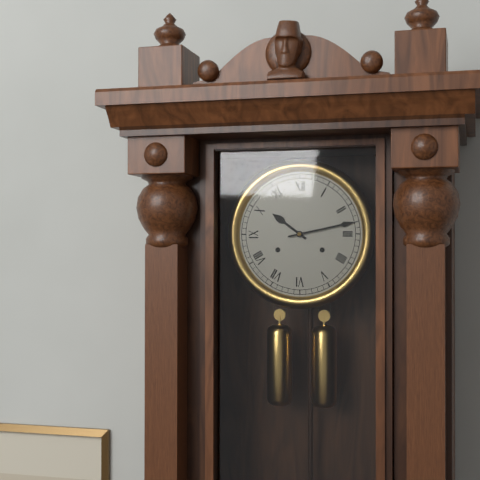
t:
10:13
